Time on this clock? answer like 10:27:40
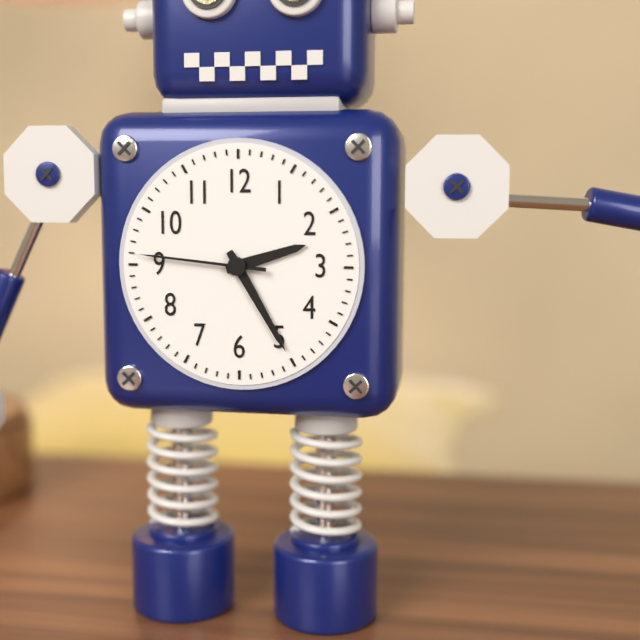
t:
2:25:46
